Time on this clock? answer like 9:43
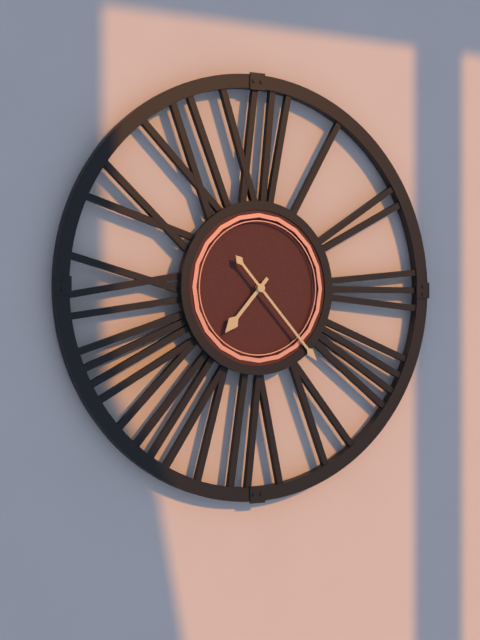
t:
7:23
